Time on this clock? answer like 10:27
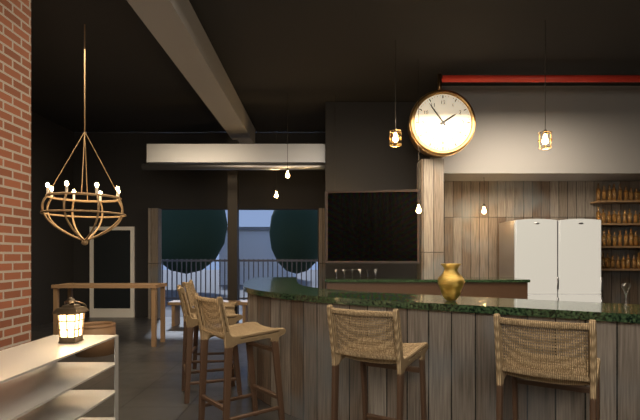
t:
1:54
